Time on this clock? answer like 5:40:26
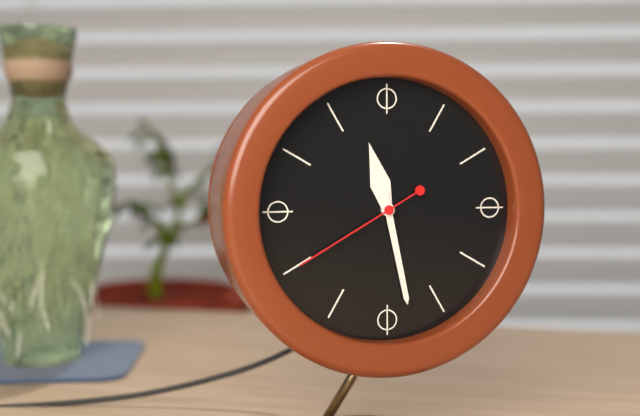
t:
11:28:40
